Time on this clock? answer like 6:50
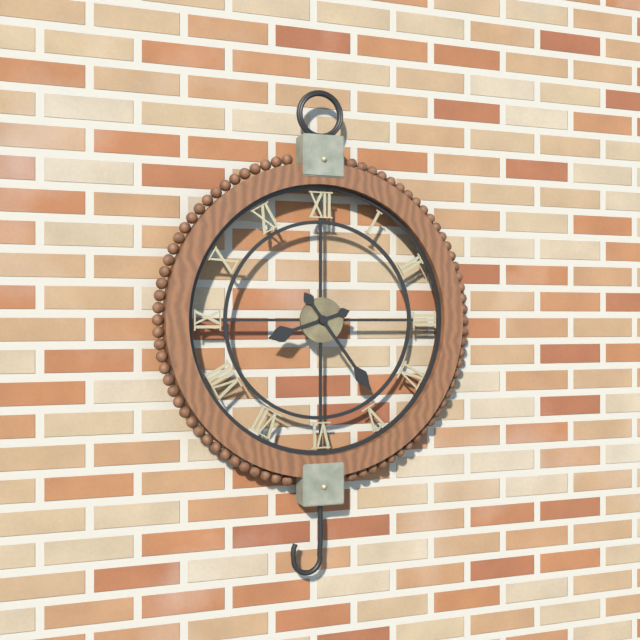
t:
8:24
